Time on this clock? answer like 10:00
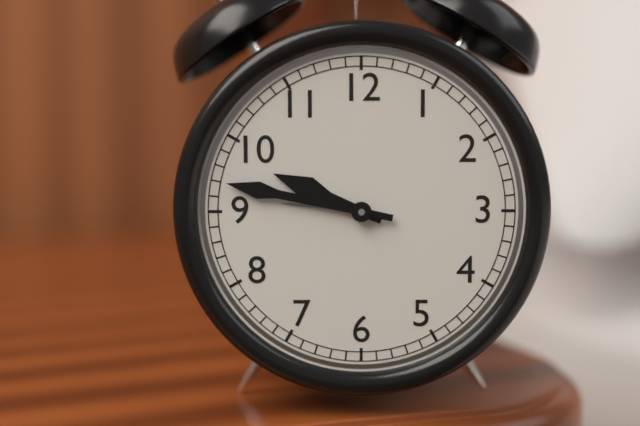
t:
9:47
